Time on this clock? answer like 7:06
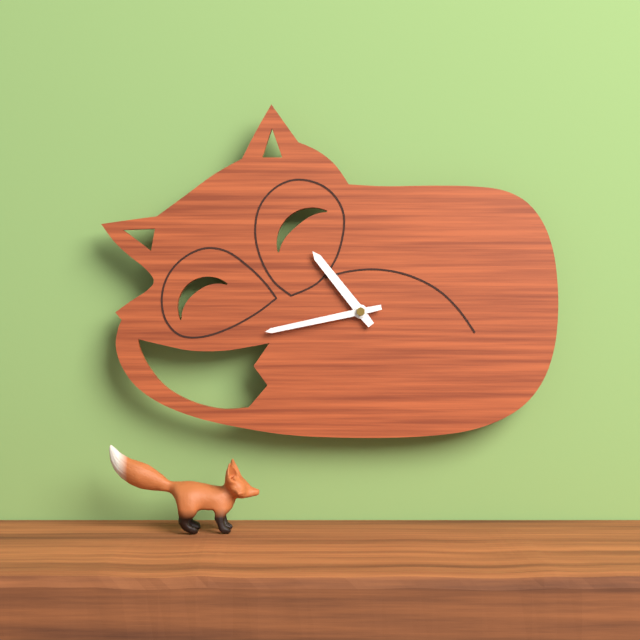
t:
10:43
